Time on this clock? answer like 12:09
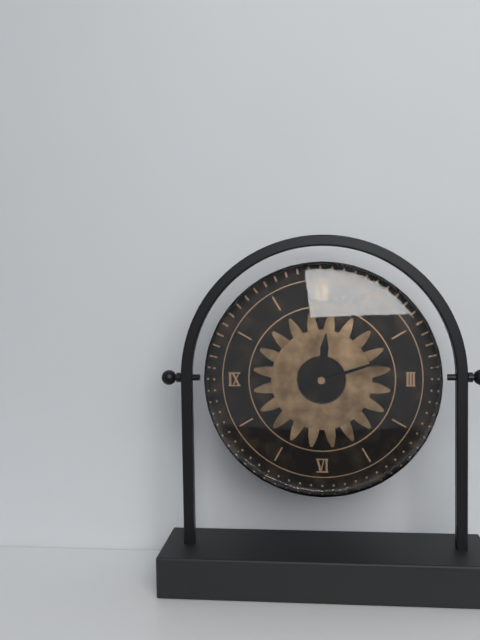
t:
12:12
